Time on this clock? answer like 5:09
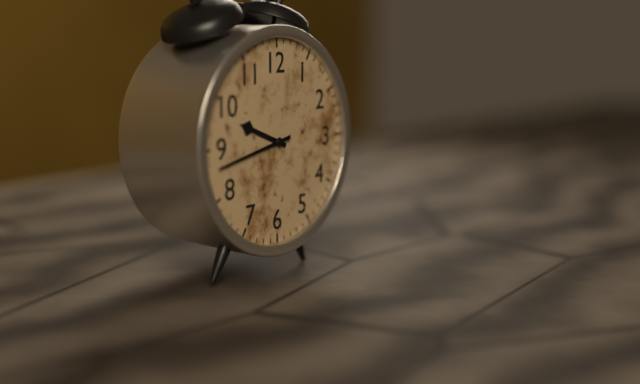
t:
9:43
